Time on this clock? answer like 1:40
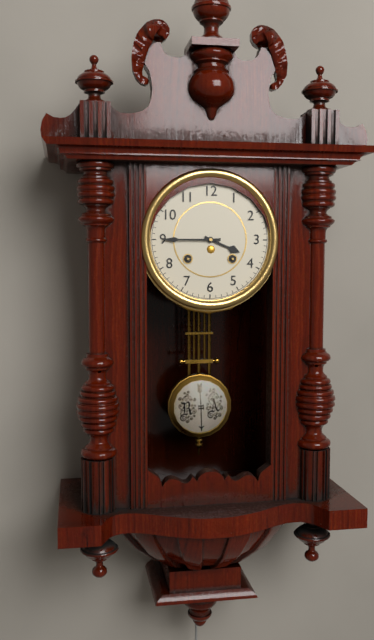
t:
3:45
